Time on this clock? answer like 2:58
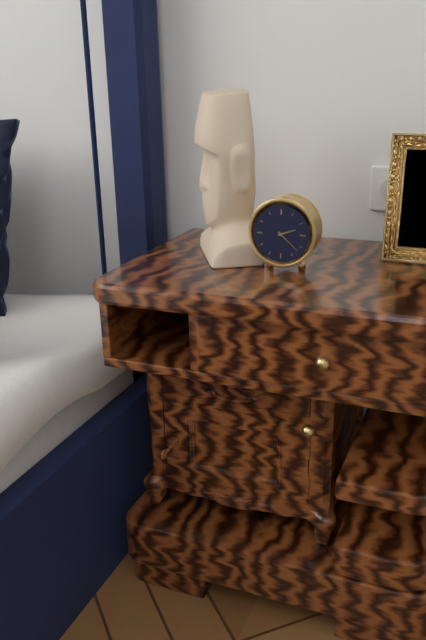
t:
2:22
